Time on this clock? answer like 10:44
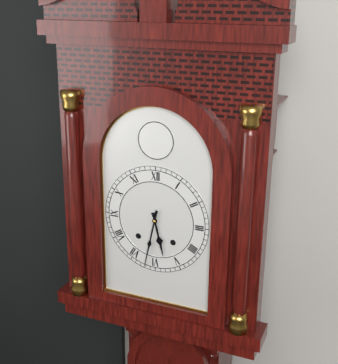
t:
5:32
